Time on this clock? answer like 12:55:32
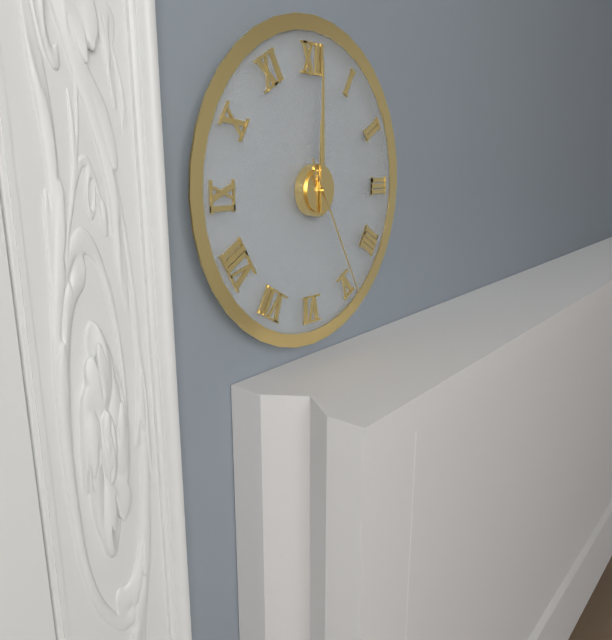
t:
12:00:25
